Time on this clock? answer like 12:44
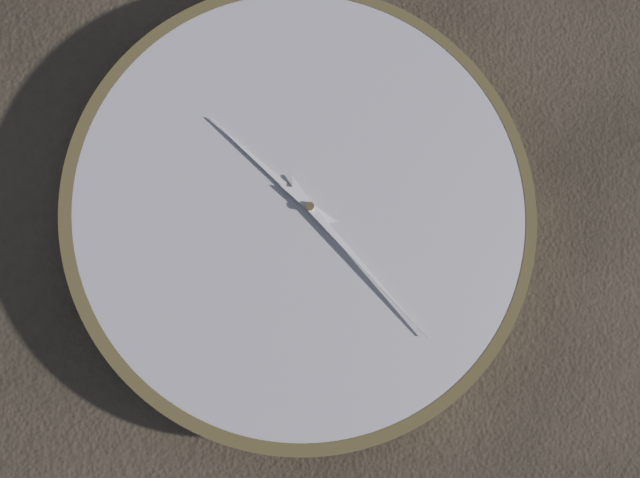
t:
10:23
